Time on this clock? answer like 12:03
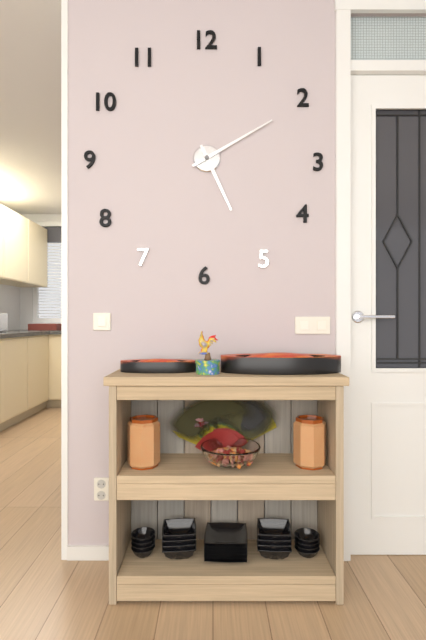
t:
5:10
